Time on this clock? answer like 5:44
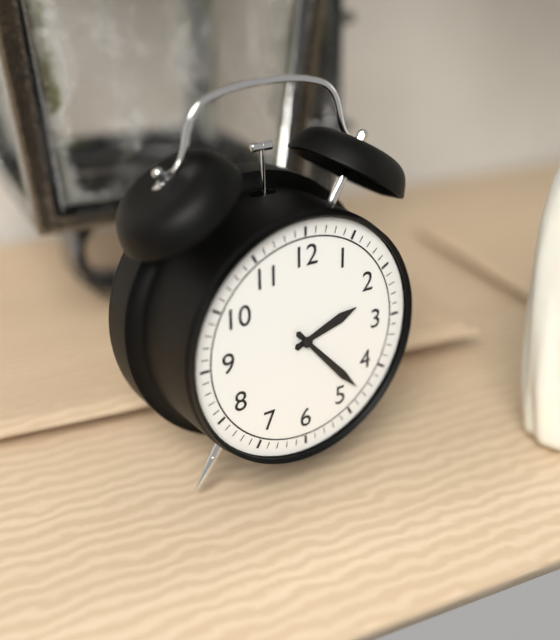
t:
2:23
